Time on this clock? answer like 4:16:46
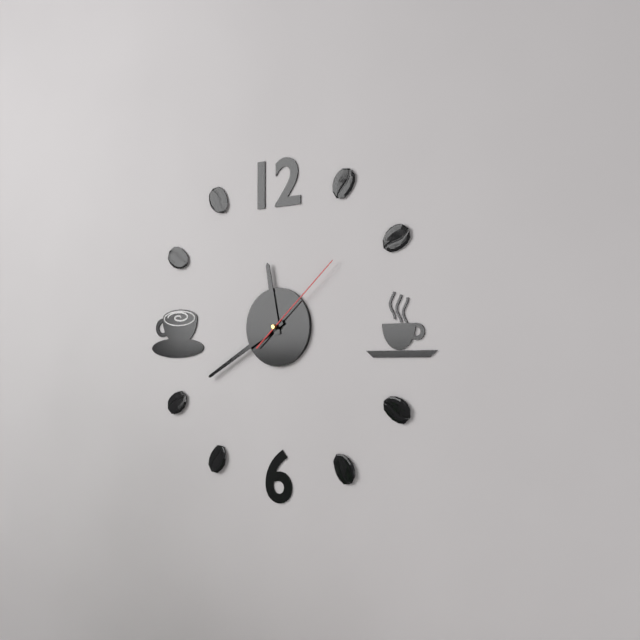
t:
11:40:08
